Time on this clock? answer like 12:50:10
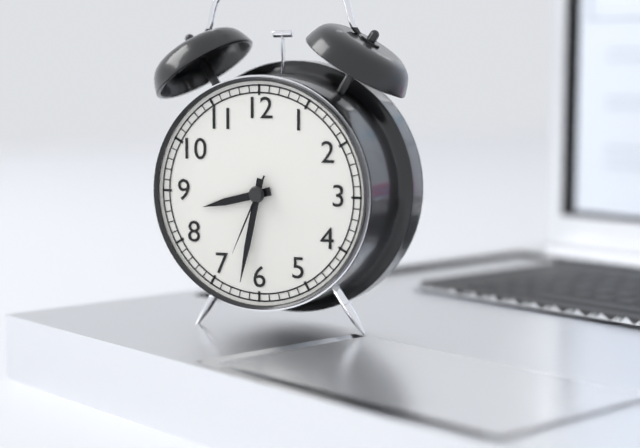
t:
8:32:34
